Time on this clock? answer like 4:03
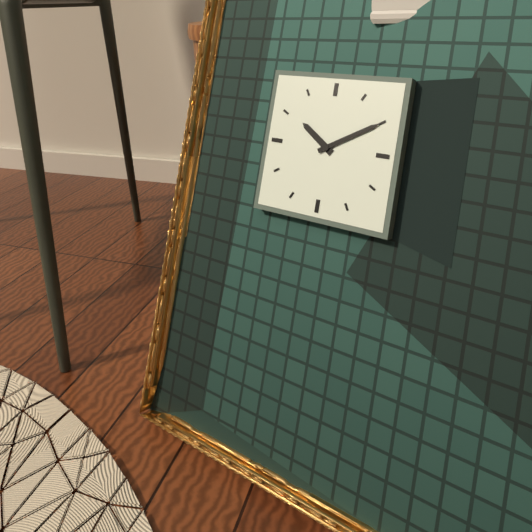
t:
10:10
